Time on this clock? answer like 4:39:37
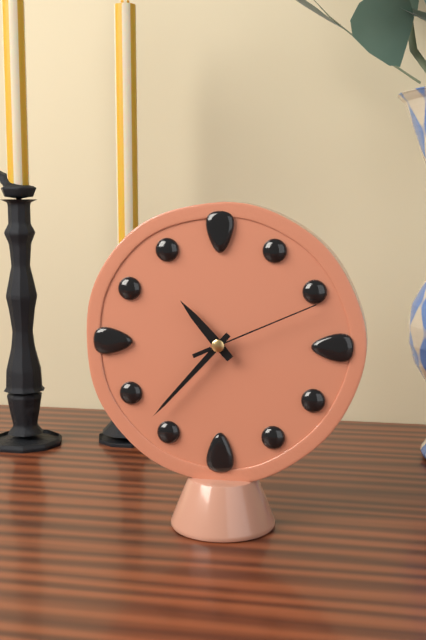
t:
10:37:11
